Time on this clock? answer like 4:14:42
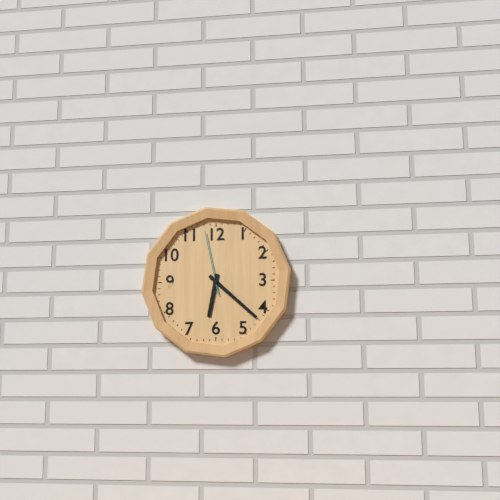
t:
6:22:58
